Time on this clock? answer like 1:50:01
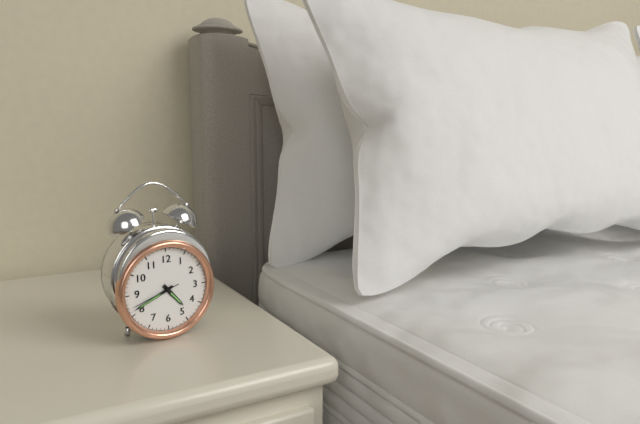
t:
4:41:42
